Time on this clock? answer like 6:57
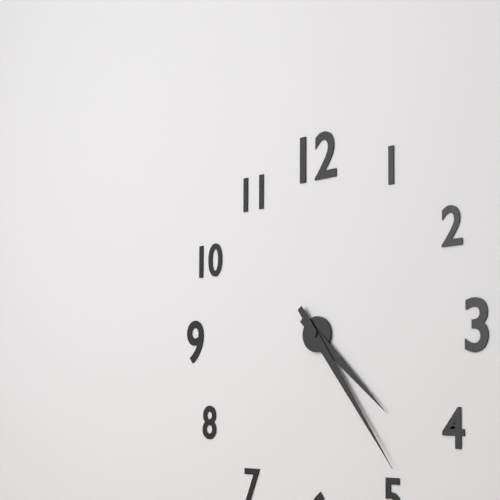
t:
4:24
